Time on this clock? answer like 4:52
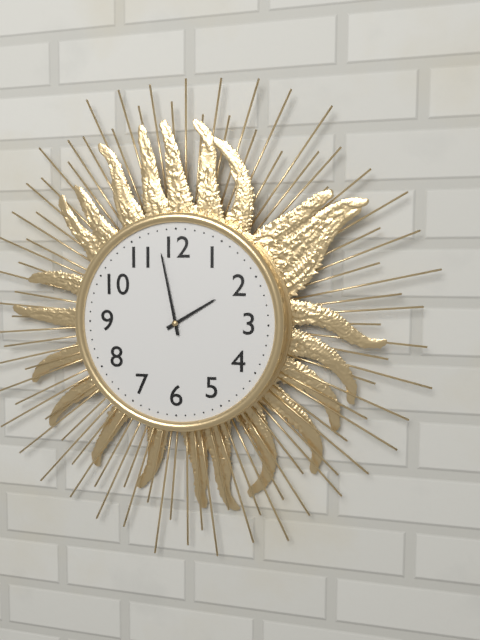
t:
1:58
